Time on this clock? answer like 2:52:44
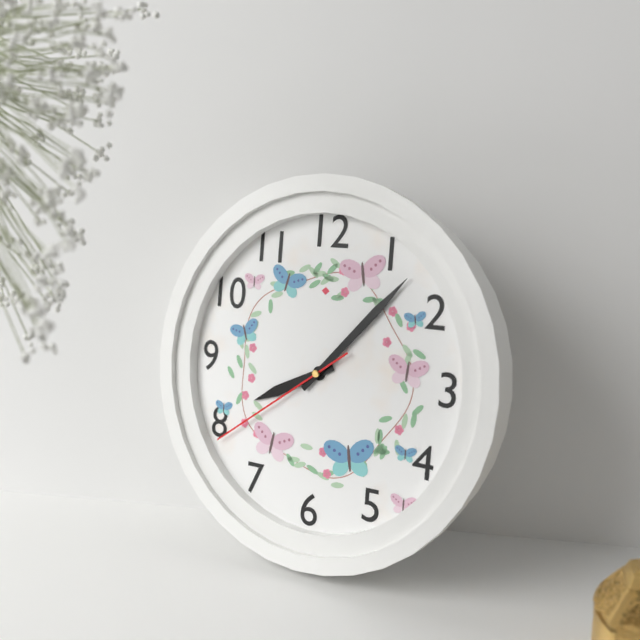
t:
8:07:39
